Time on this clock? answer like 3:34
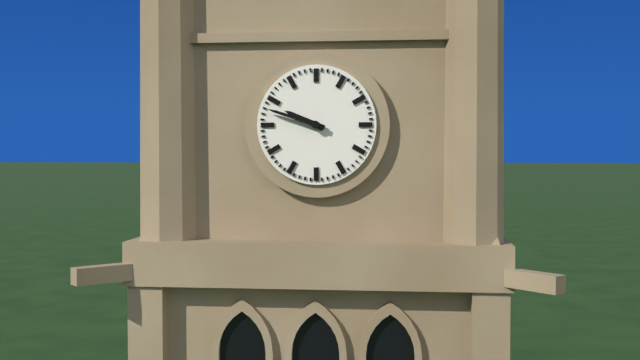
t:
9:48
